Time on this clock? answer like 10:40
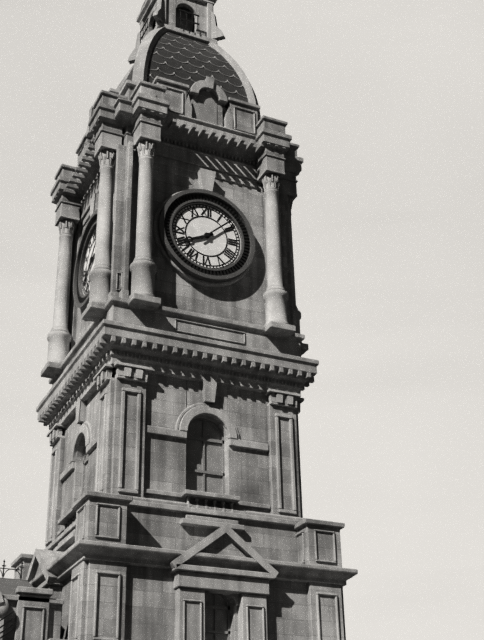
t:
8:08
